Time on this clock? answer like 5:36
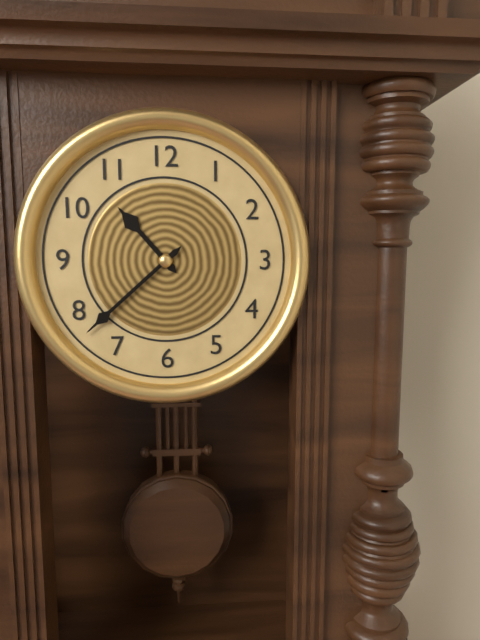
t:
10:38
